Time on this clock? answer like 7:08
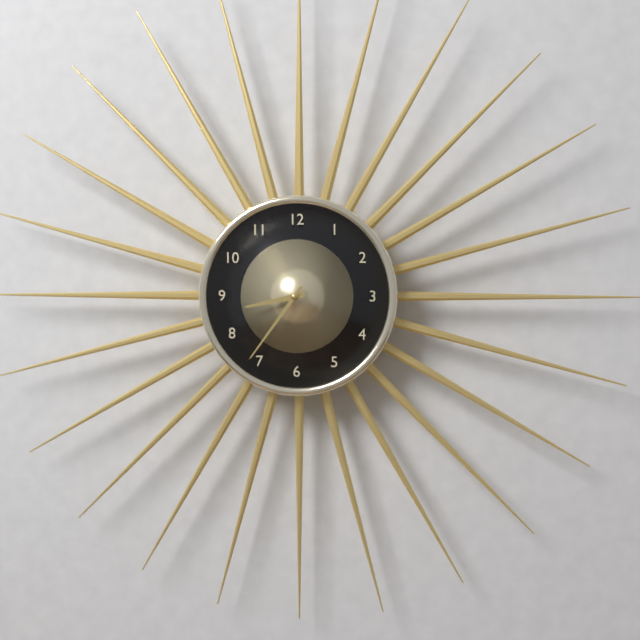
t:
8:36
